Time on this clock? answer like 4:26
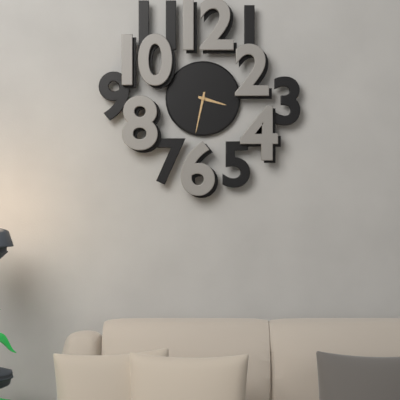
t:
3:32
